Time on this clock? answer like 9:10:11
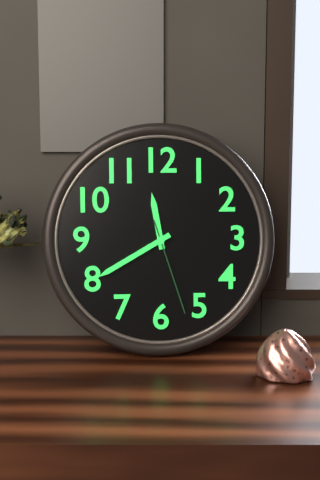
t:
11:40:27
